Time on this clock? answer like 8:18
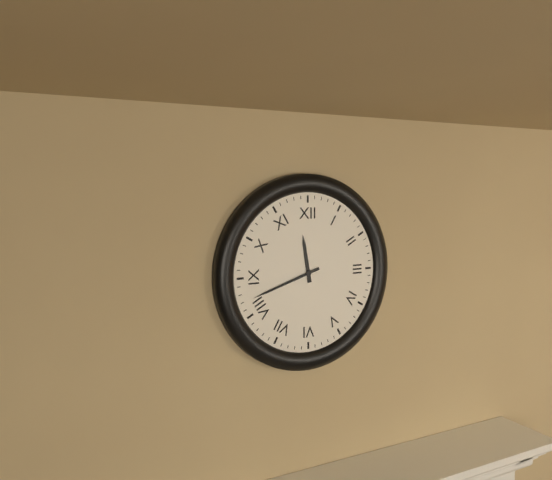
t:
11:42
